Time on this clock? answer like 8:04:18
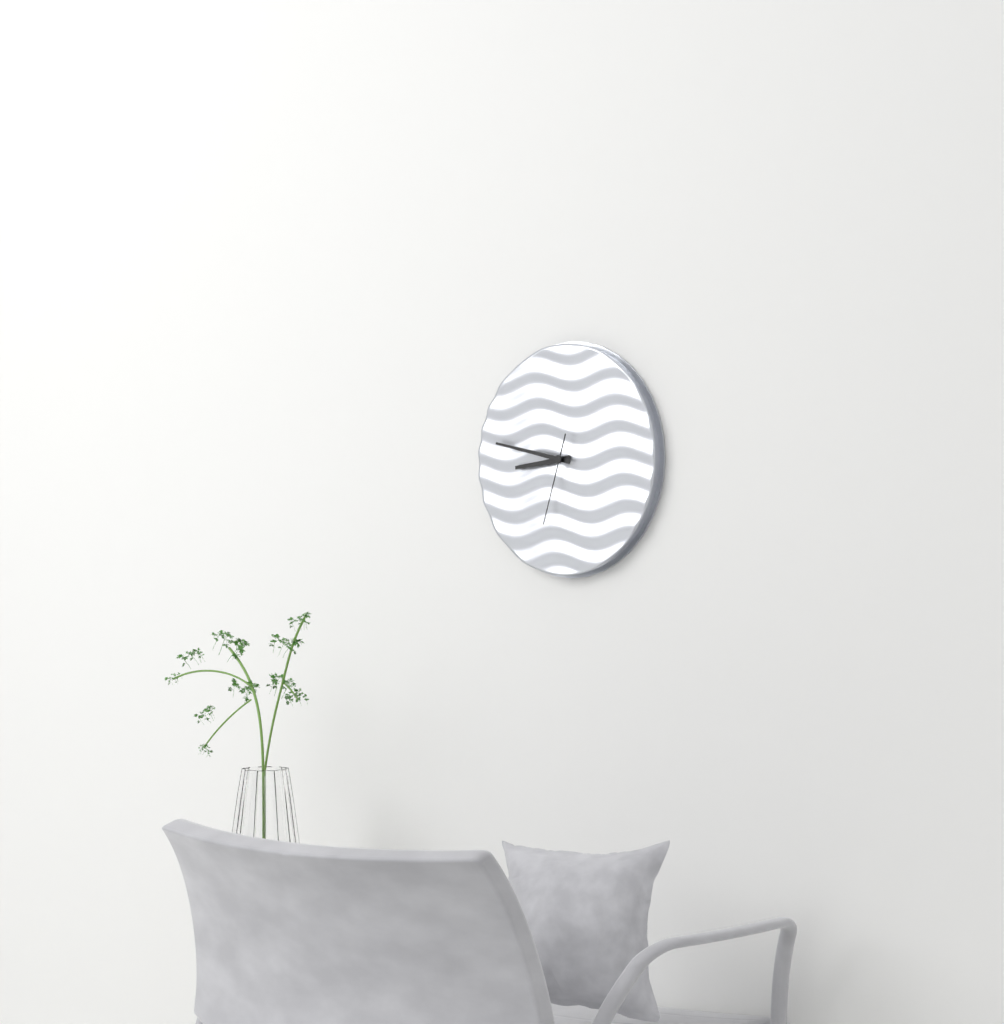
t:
8:47:33
